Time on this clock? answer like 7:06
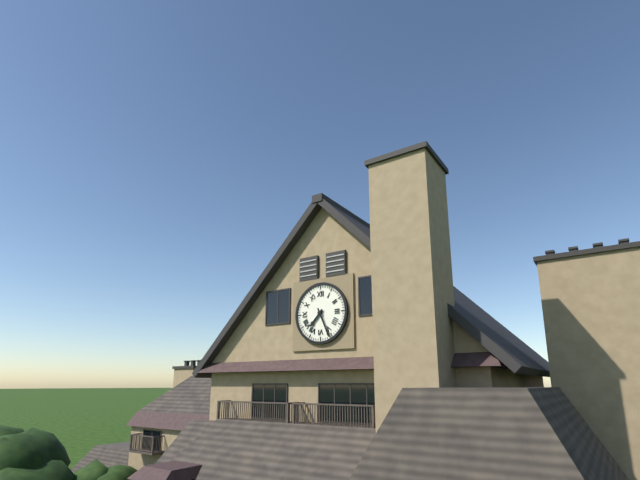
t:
7:26
